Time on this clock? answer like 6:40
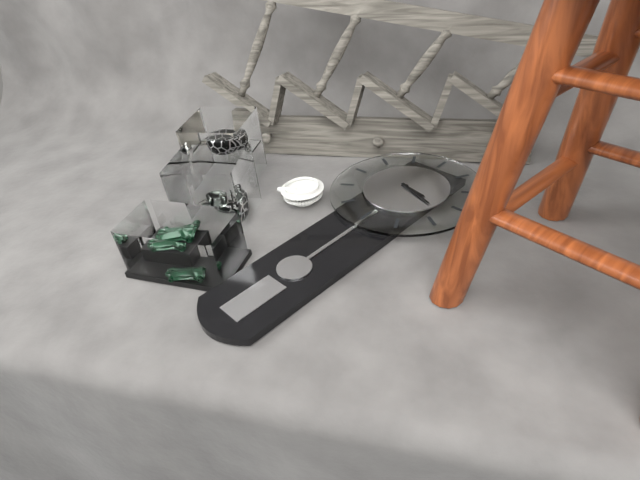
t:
3:18
